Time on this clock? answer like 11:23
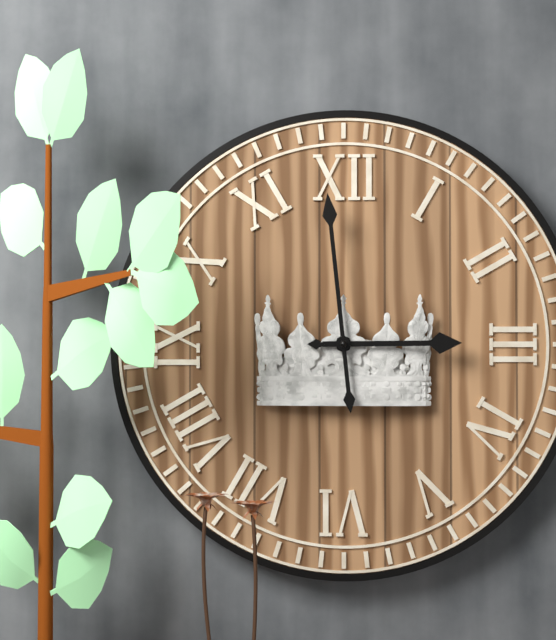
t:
2:59
